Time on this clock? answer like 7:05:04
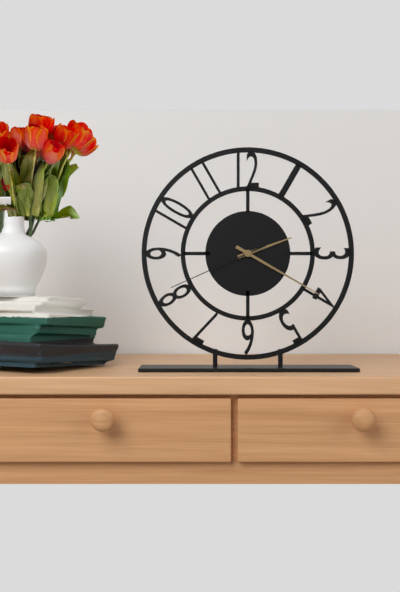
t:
2:20:41
